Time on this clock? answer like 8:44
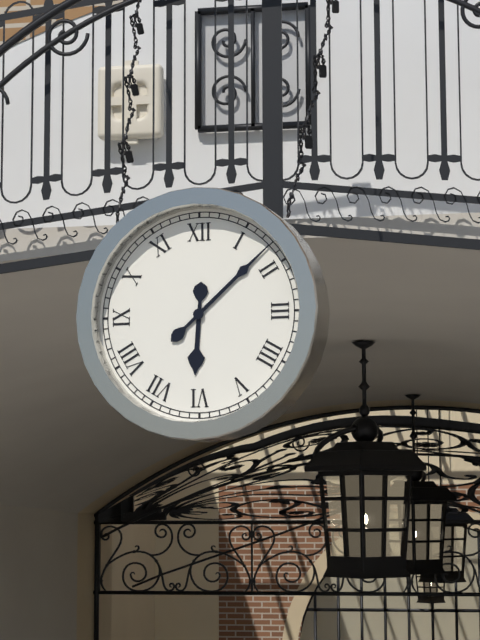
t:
6:08
